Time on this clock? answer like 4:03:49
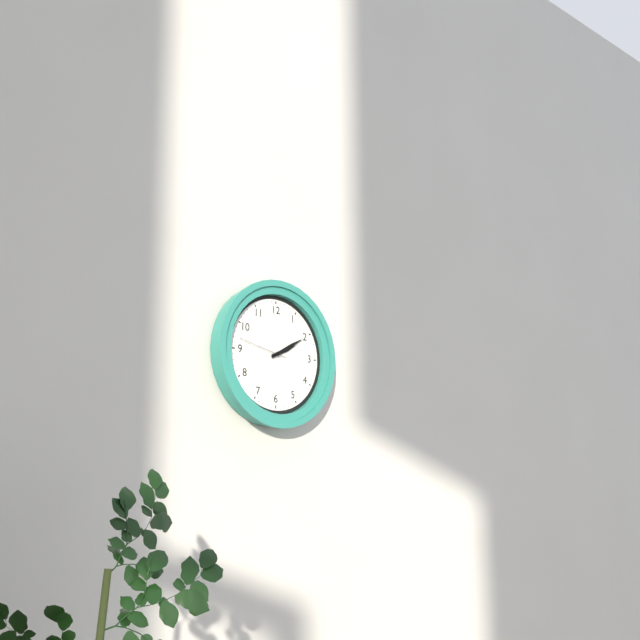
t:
2:10:47
